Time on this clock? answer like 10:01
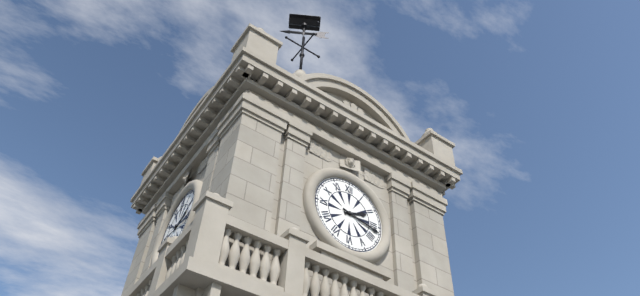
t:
2:17
